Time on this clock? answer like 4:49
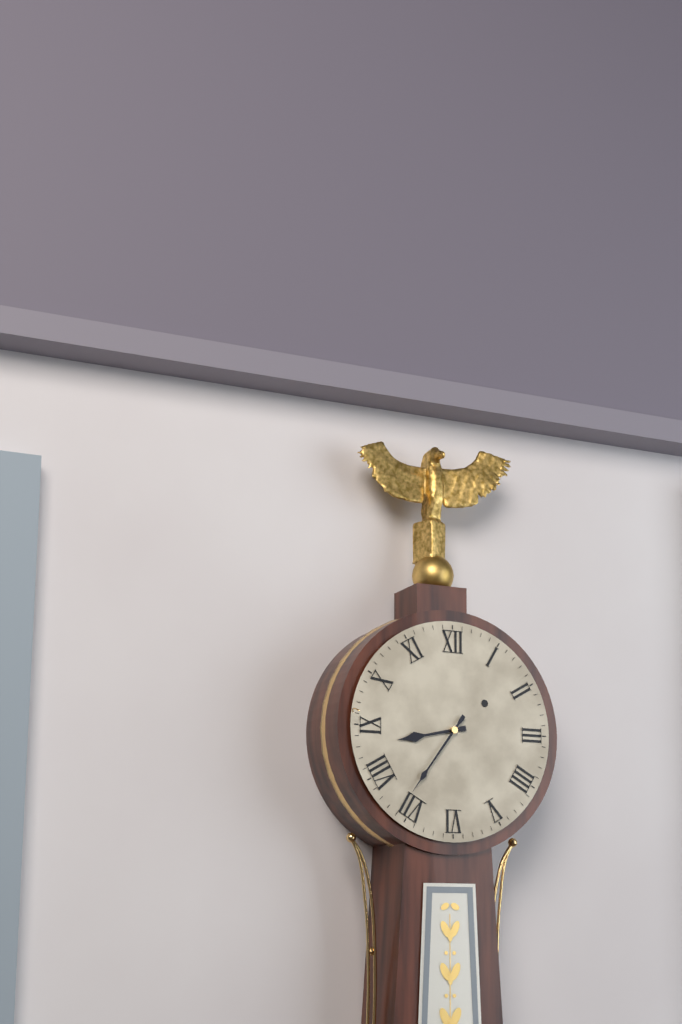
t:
8:36
